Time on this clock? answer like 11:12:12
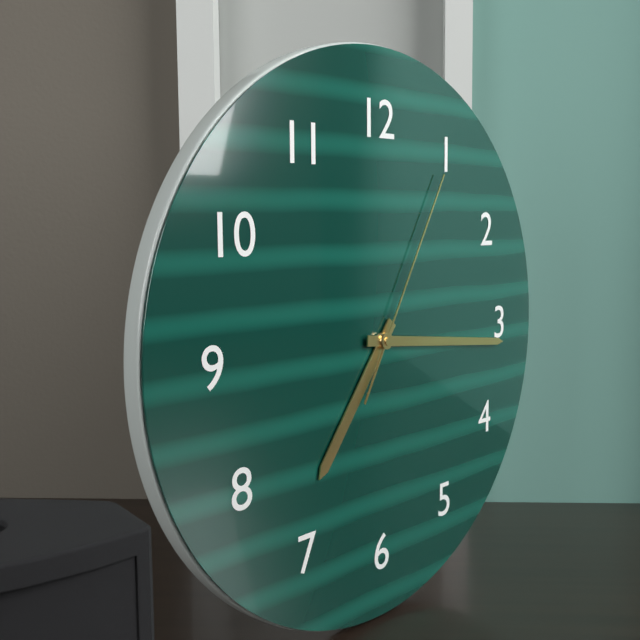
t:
7:16:05
